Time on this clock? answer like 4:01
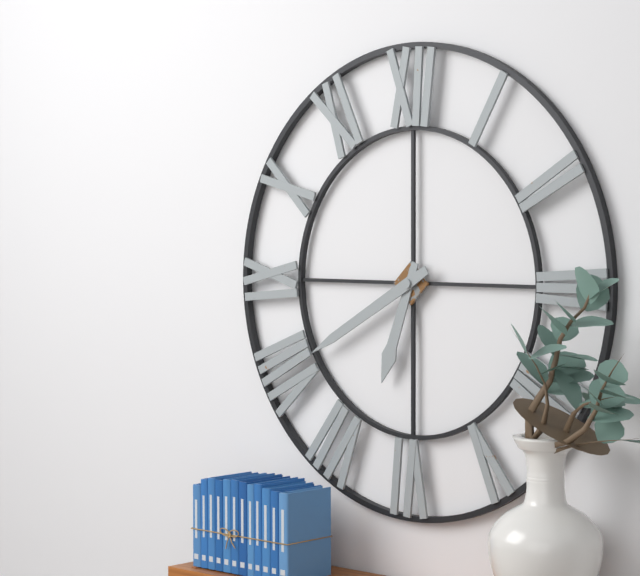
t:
6:40
